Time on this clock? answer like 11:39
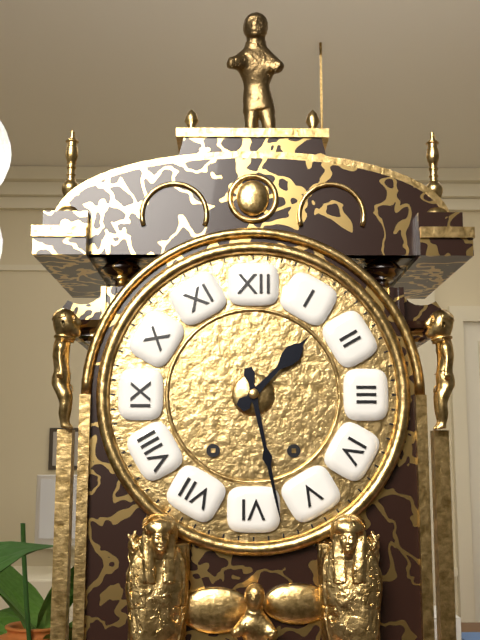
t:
1:28
